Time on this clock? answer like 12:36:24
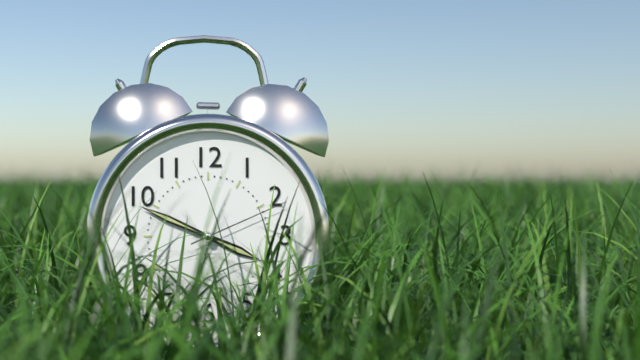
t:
3:49:11
